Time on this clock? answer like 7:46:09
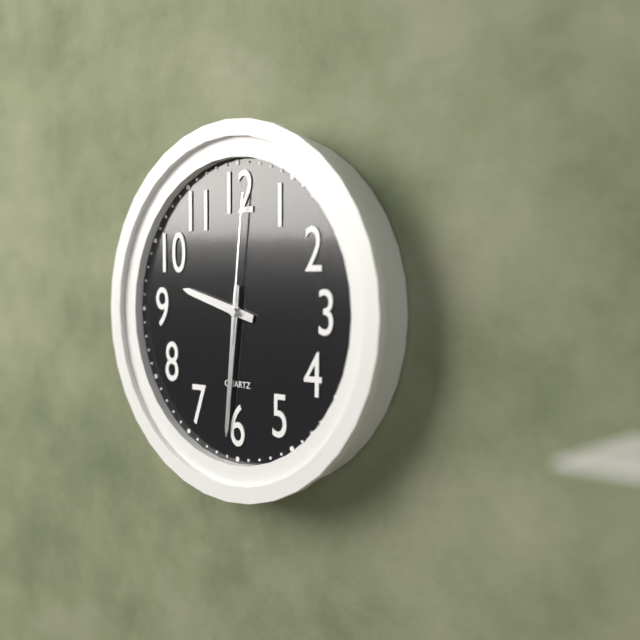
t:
9:31:01
